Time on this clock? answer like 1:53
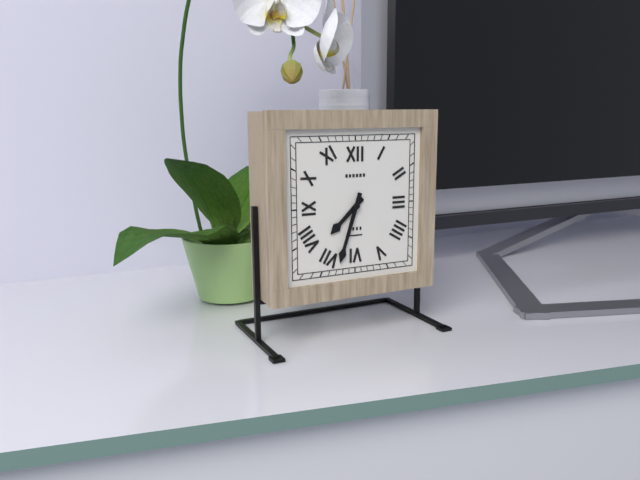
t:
7:33
